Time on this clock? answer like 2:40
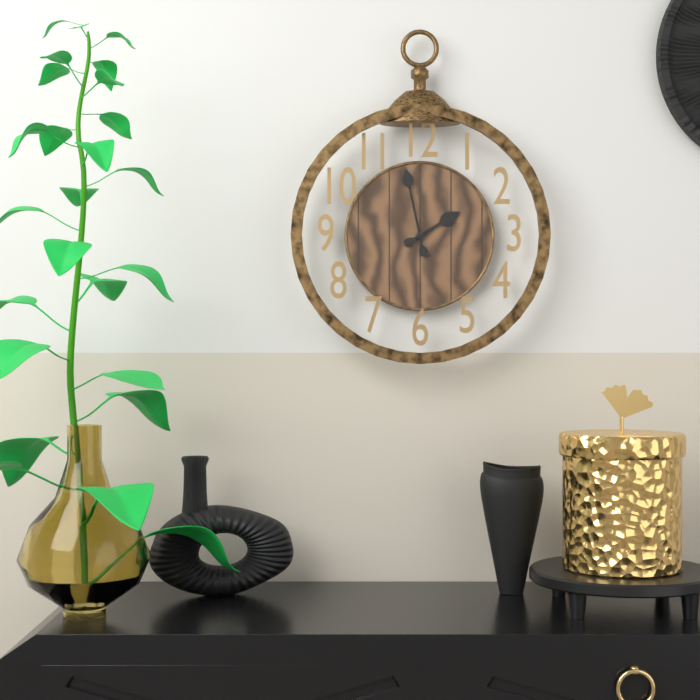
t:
1:58
